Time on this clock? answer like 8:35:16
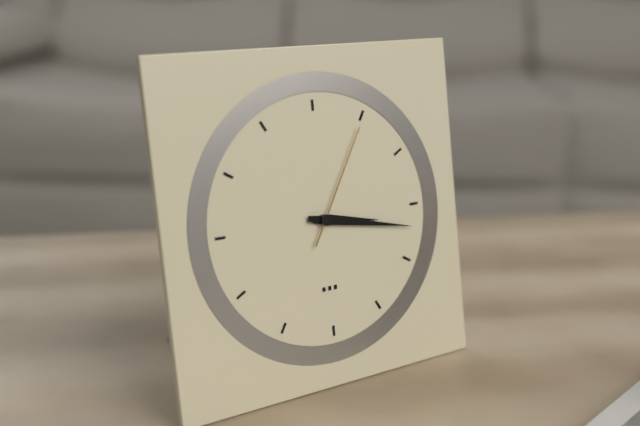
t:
3:17:05
